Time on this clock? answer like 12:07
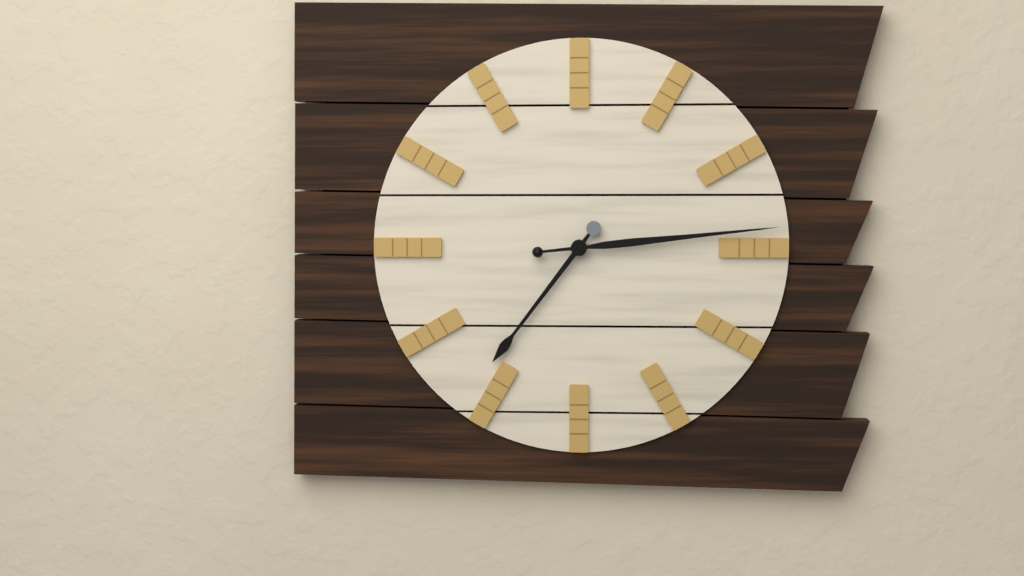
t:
7:14
